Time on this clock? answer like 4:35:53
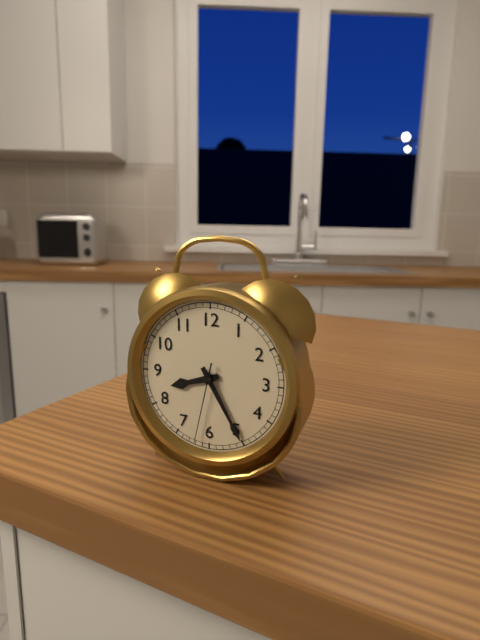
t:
8:25:32
